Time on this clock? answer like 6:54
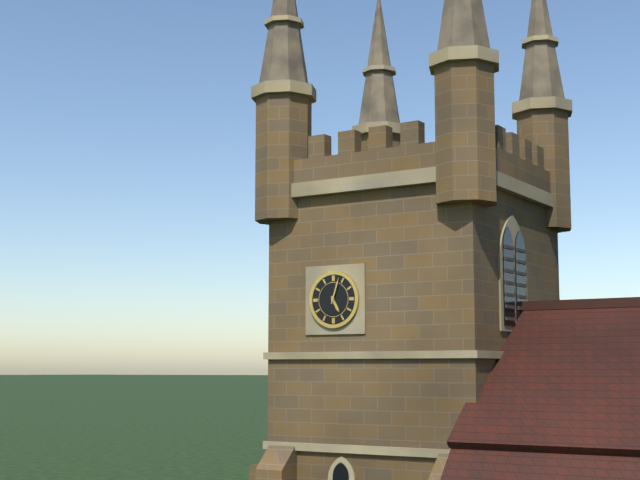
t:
5:03
